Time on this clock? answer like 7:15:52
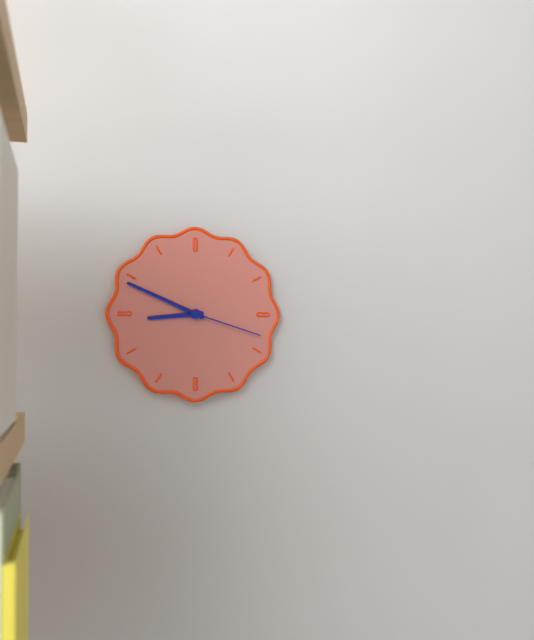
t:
8:49:18
